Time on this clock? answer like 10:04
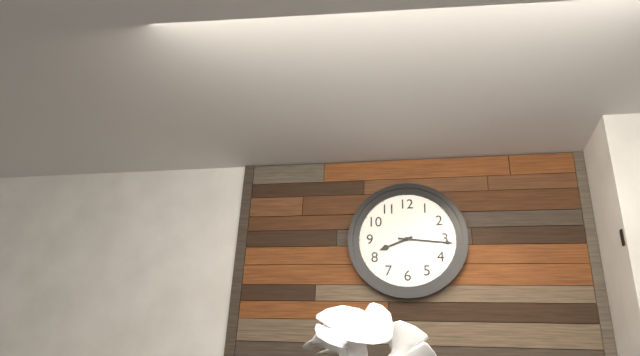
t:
8:16
